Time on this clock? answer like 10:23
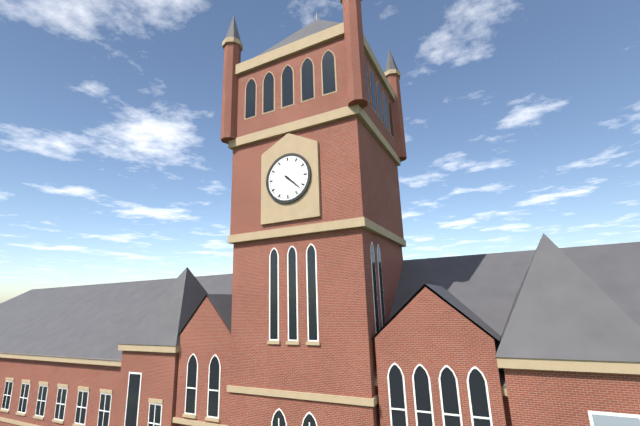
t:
4:22
